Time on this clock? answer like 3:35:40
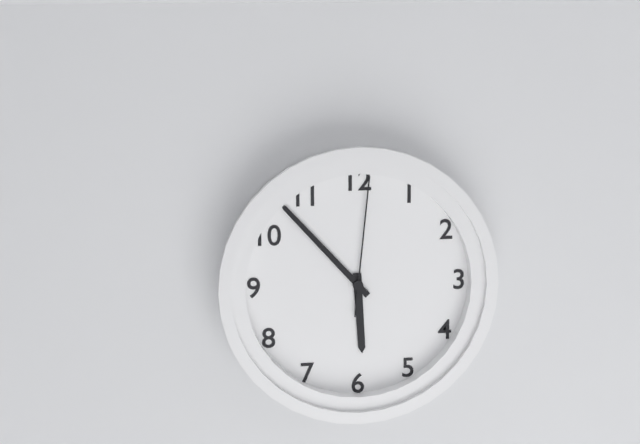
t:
5:53:01
